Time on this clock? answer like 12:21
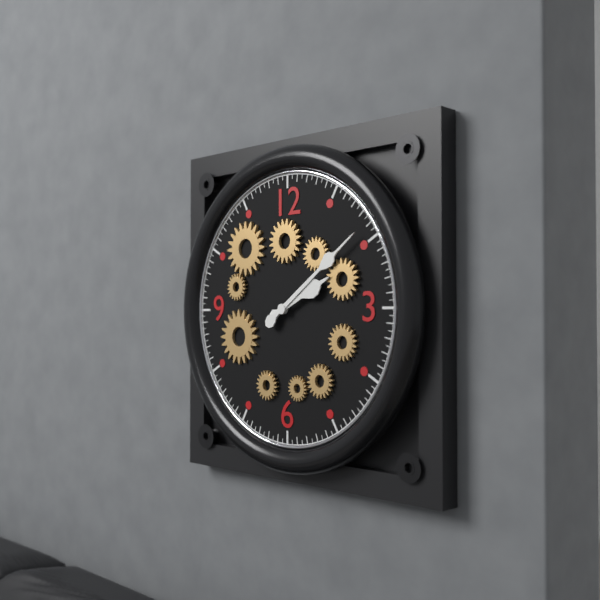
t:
2:09
